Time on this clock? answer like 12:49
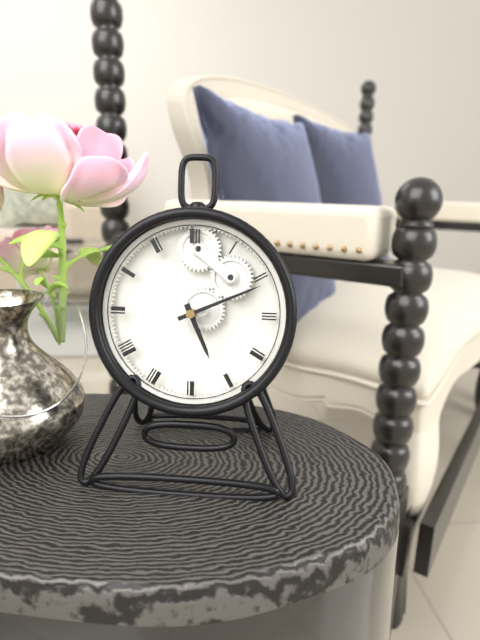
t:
5:11
